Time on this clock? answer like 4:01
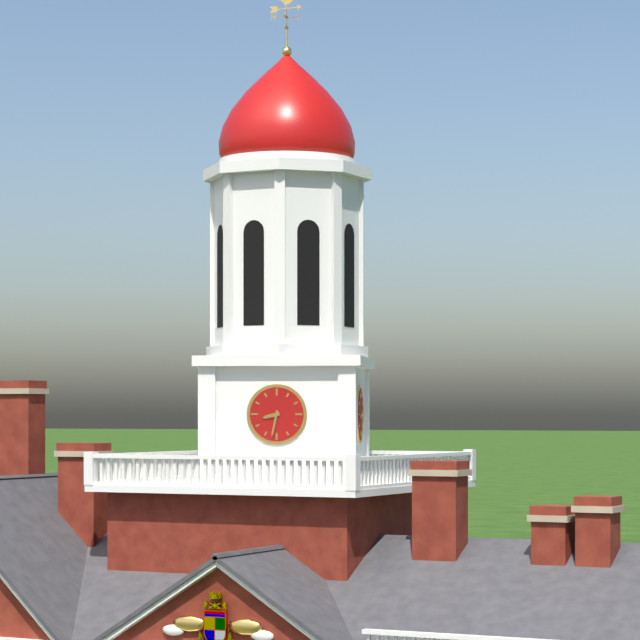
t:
8:32
